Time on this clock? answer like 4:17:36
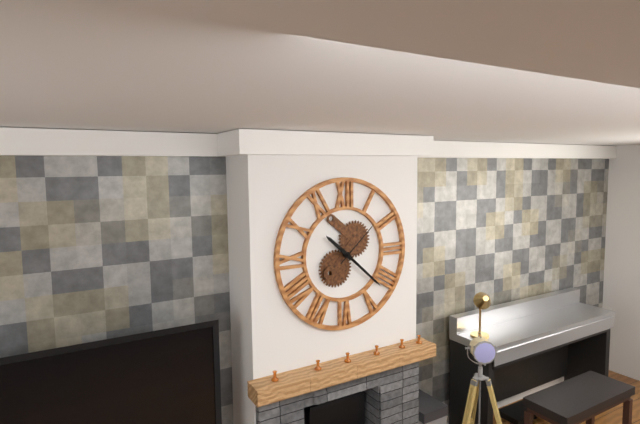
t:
10:22:08
